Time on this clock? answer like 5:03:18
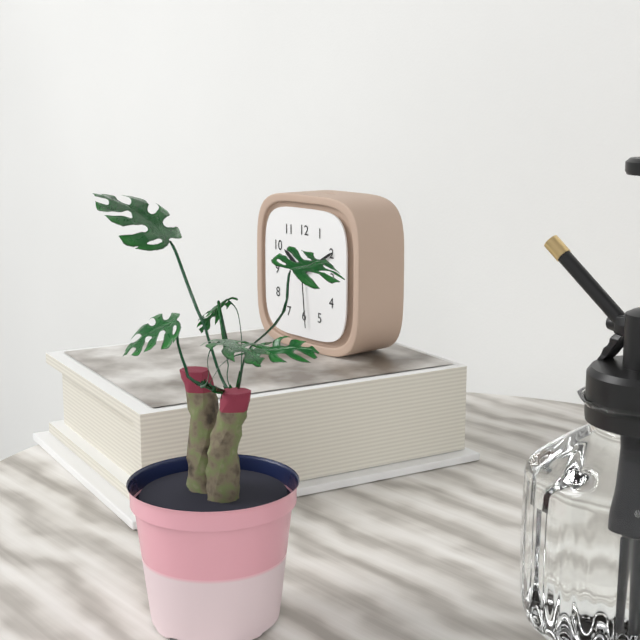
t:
10:10:29
